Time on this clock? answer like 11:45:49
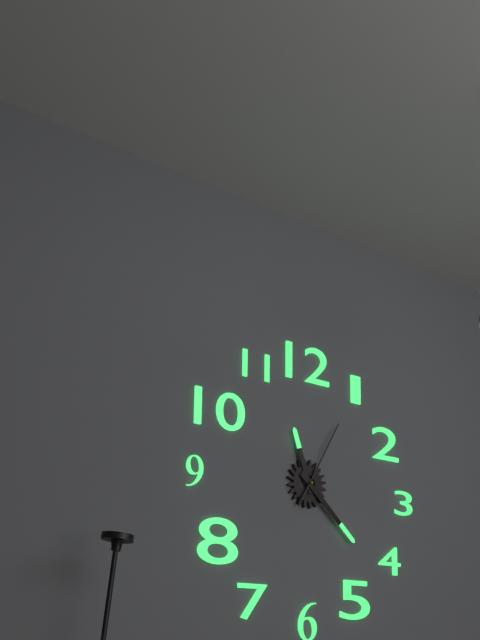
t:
11:22:05
